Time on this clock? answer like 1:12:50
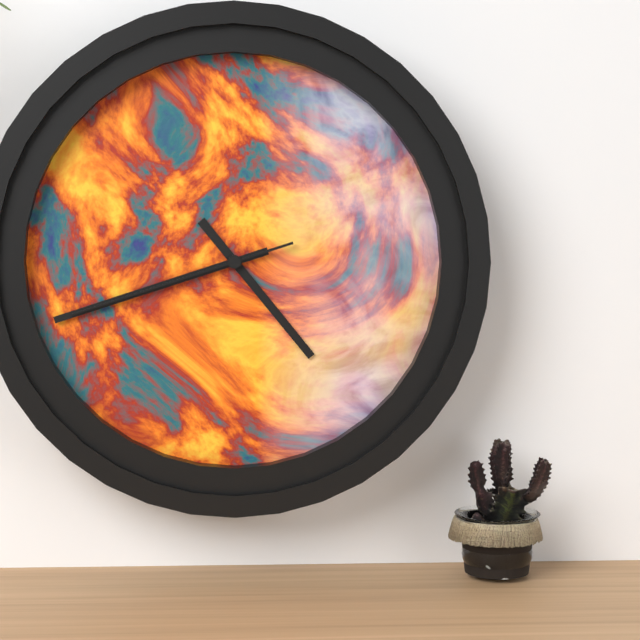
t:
4:42:42
